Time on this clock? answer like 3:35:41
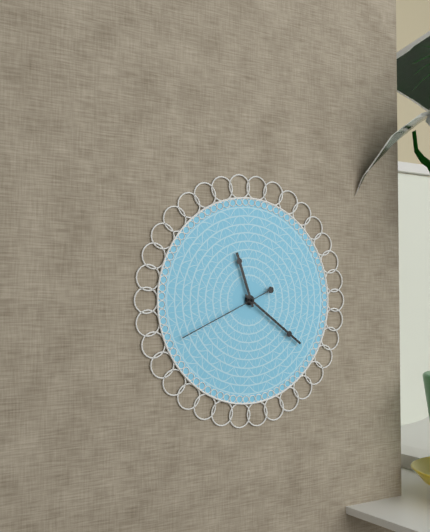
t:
11:21:41
